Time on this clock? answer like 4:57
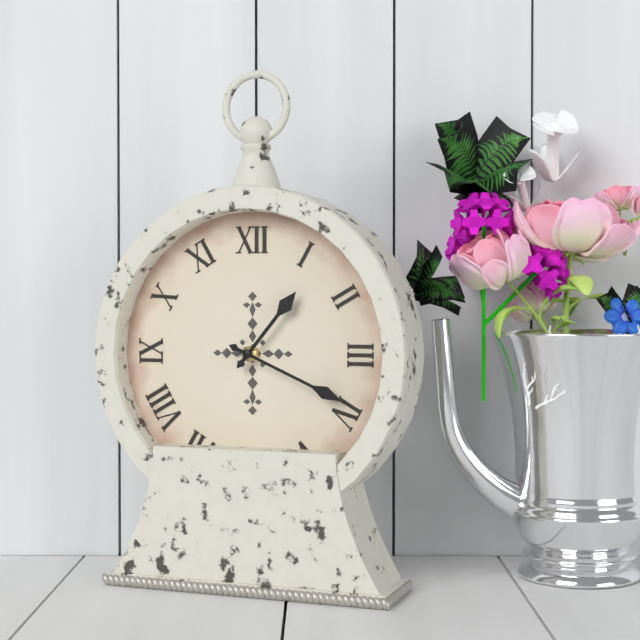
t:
1:19
